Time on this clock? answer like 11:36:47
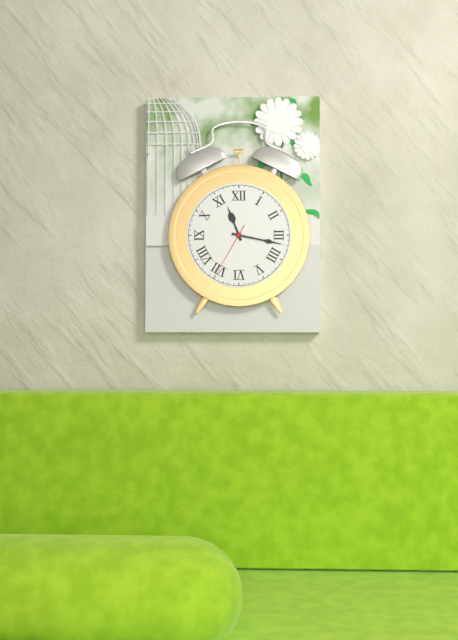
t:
11:17:35
